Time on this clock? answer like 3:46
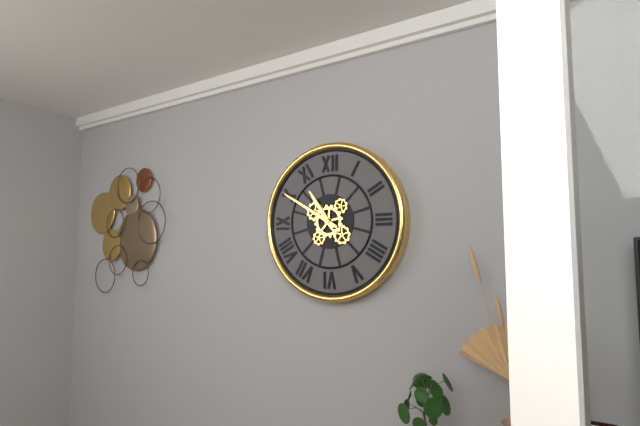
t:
10:50
